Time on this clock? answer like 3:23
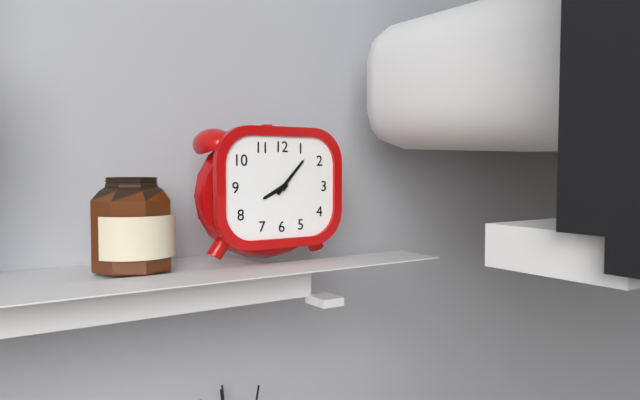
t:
8:07
